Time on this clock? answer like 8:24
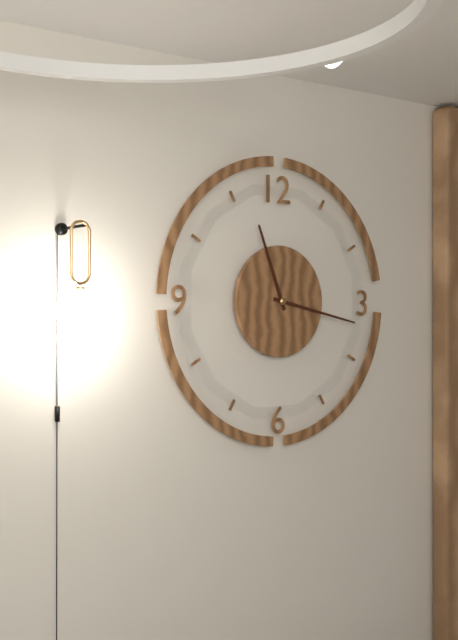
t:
11:17
